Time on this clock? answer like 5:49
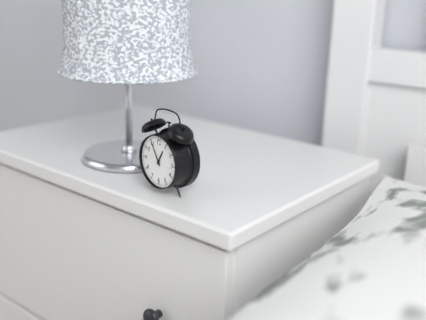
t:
12:55
